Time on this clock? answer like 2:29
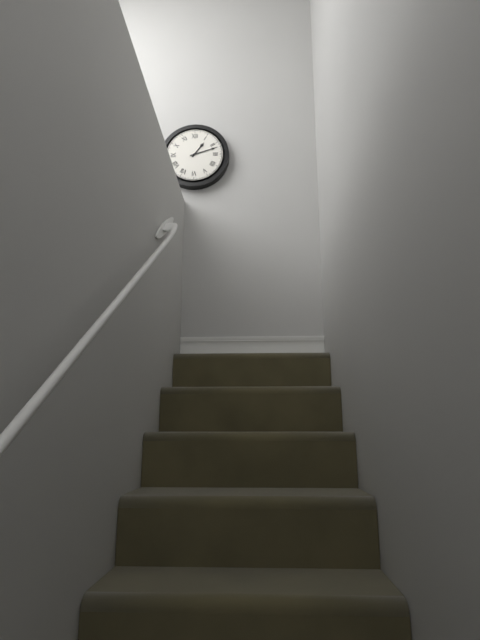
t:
1:12
